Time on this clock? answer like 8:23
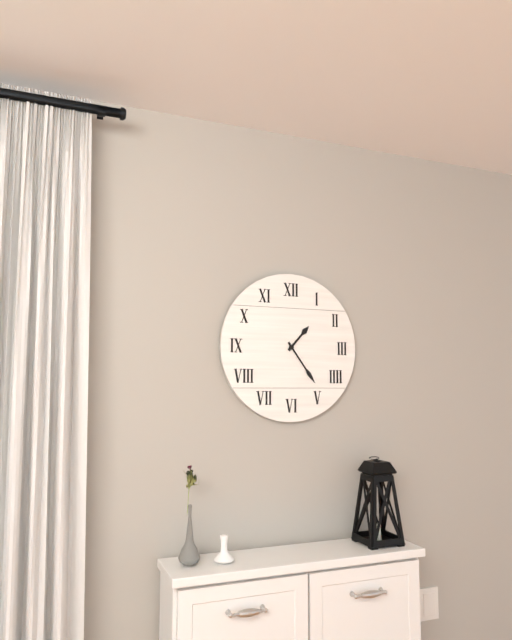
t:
1:24
